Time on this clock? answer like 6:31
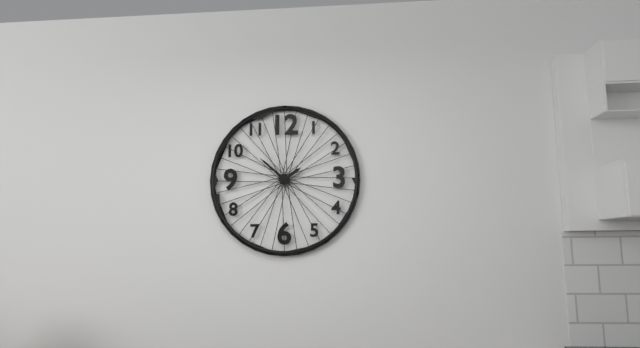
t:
1:52
